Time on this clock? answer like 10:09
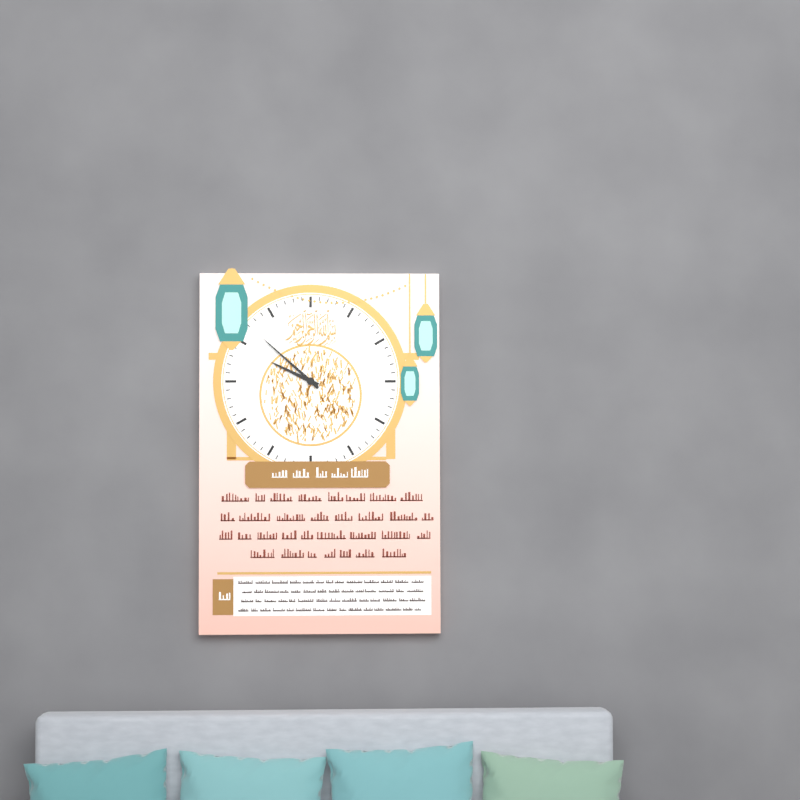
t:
9:52
